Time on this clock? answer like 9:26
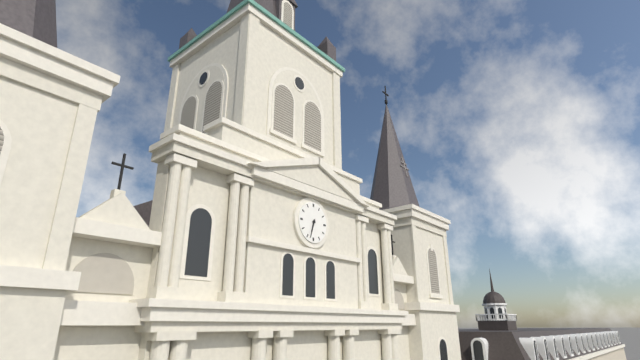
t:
6:33
